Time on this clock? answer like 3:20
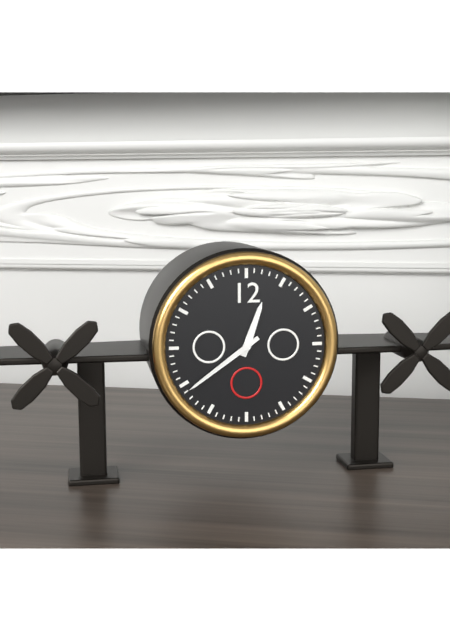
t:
12:39
